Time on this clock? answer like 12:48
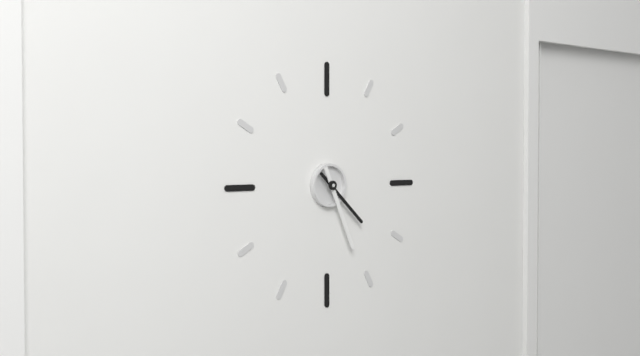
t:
4:26
